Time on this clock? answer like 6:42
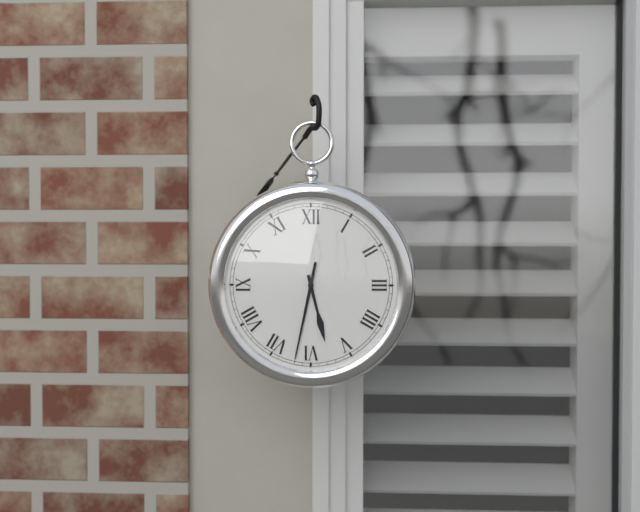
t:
5:32
